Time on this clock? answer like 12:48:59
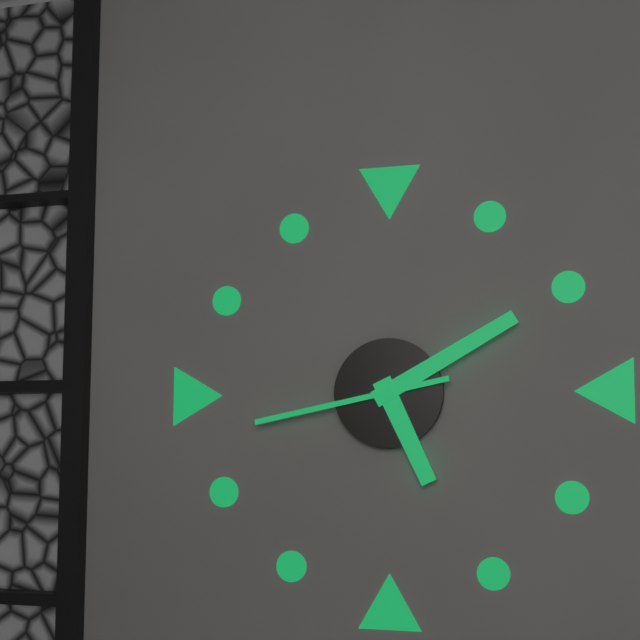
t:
5:10:43
